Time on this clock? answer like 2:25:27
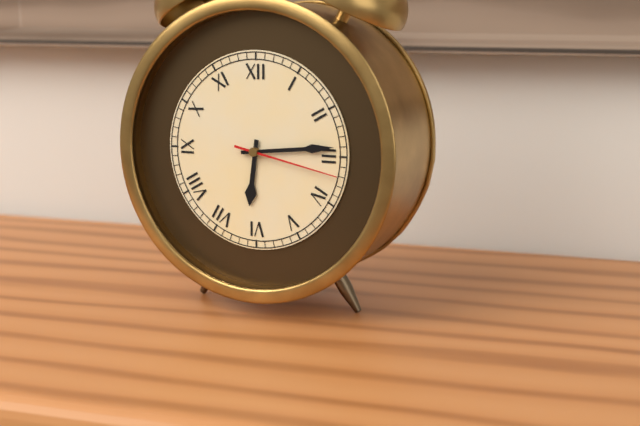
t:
6:14:17
